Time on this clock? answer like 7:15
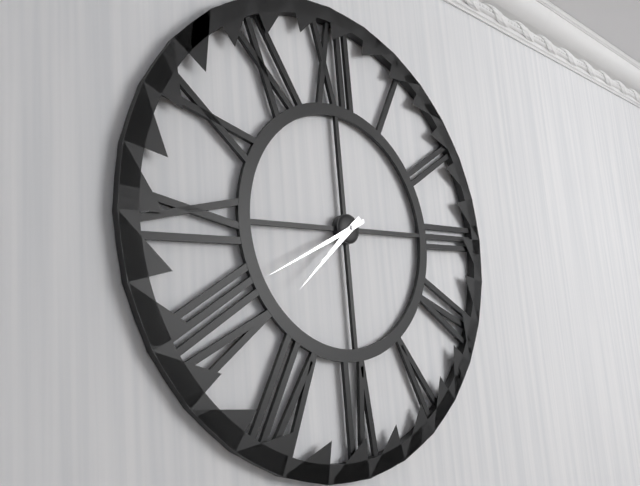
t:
7:41
